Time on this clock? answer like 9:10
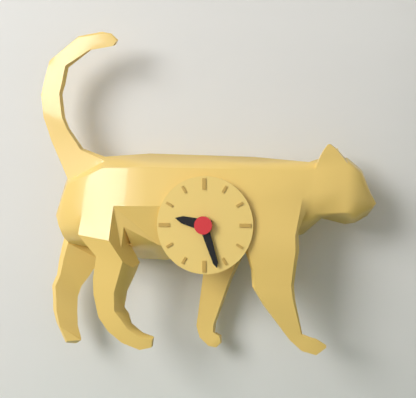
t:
9:27
